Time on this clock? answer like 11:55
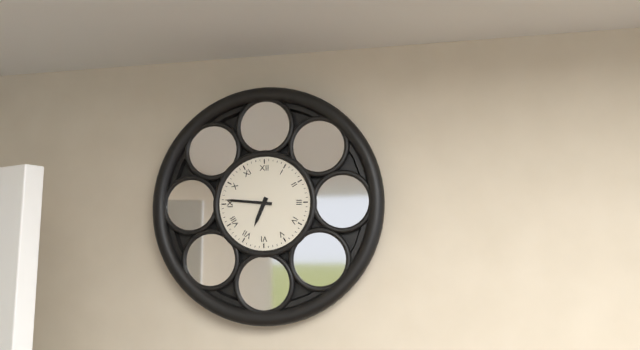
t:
6:46
